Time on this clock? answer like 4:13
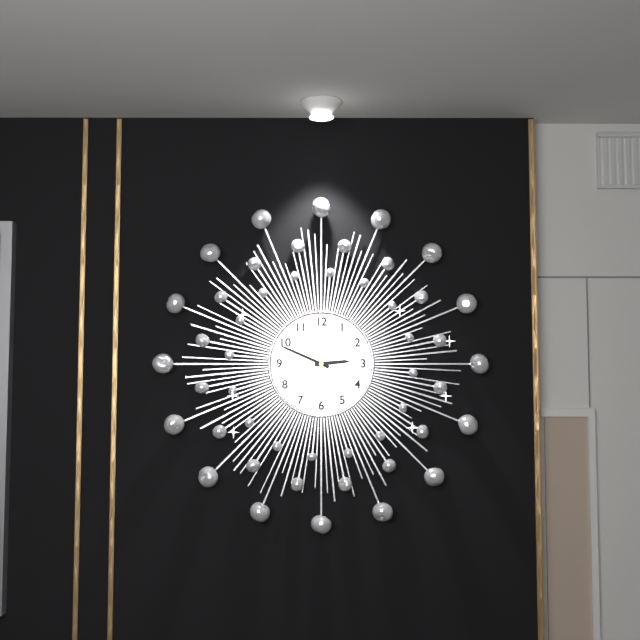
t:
2:49
